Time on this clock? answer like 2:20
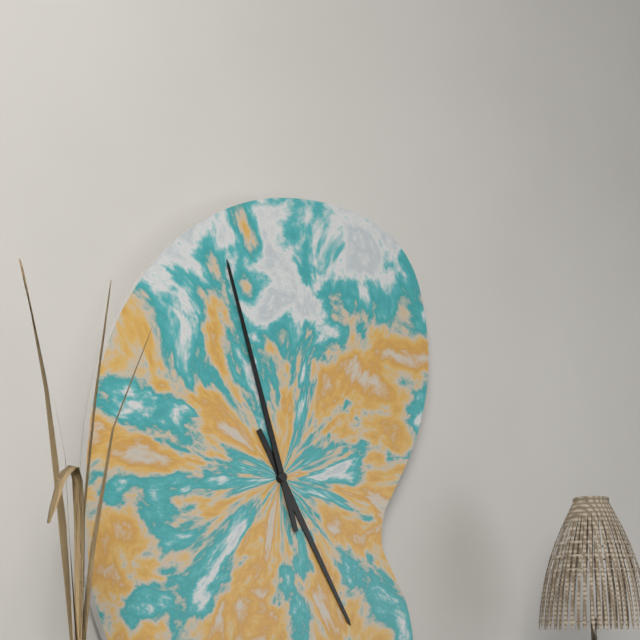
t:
4:57
